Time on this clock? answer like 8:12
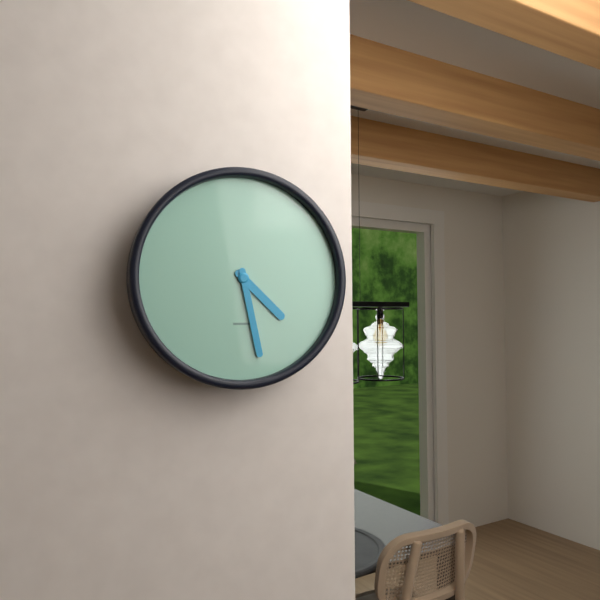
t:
4:28
